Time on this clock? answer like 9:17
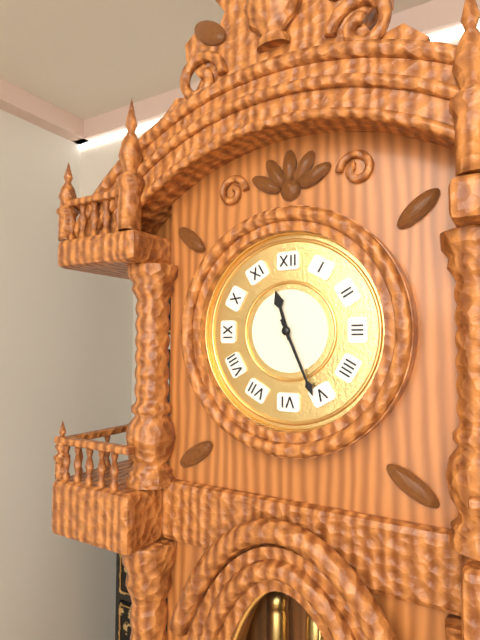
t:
11:26
